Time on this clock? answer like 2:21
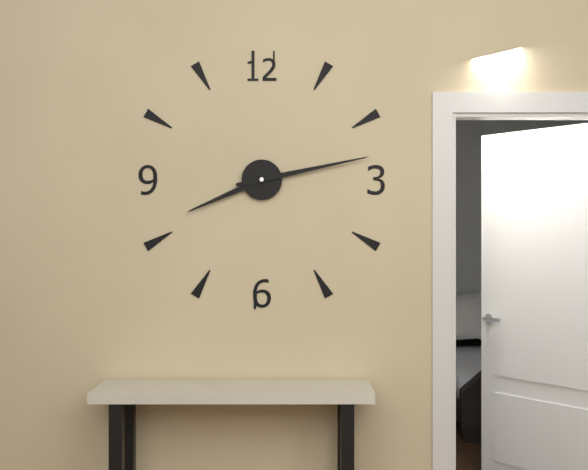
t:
8:13
